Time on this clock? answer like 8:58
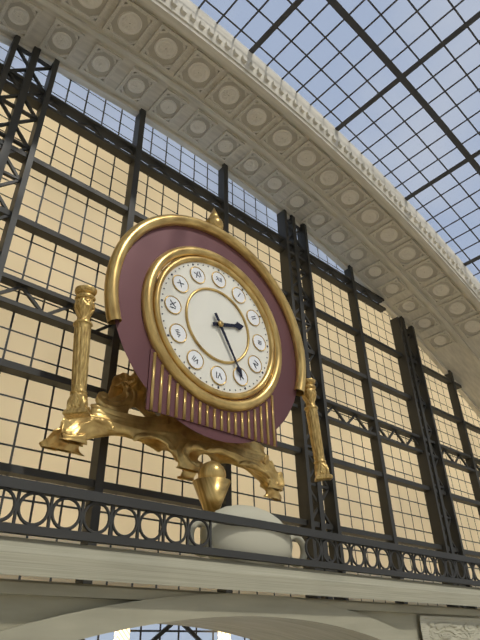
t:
2:25
